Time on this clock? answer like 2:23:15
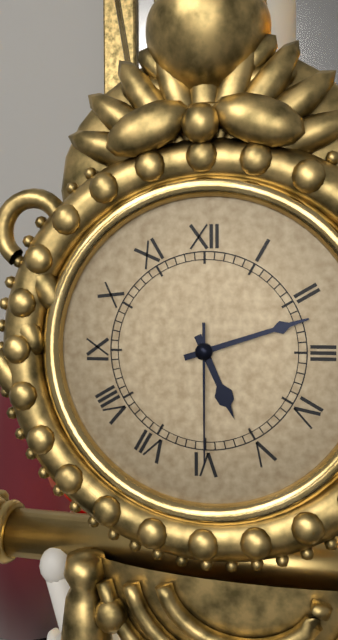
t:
5:12:30
